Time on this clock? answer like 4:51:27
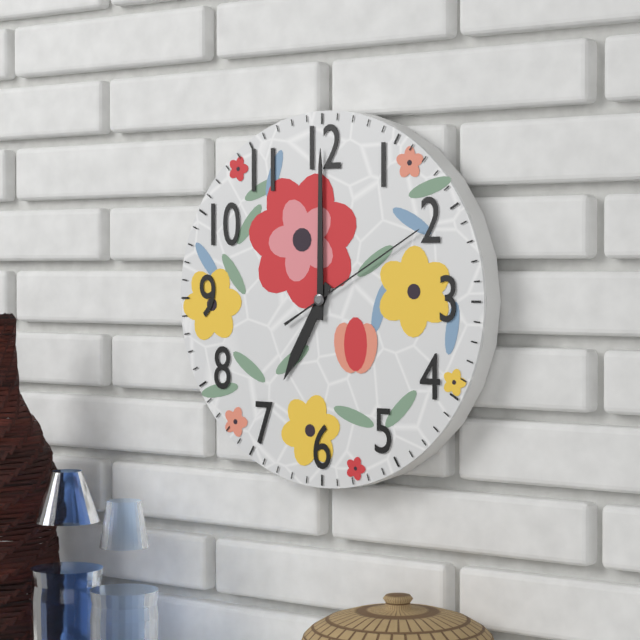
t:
7:00:10
